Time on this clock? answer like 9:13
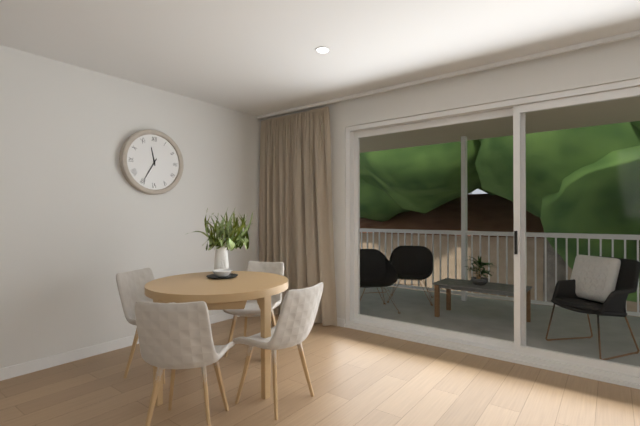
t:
11:35
